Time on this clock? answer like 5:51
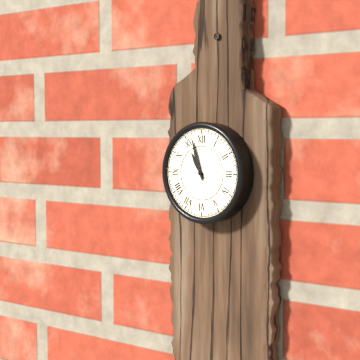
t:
10:57
